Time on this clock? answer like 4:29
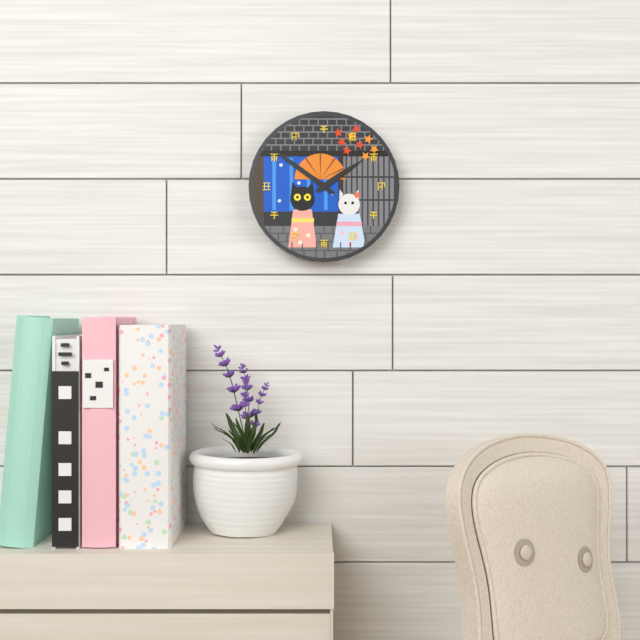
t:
1:51
